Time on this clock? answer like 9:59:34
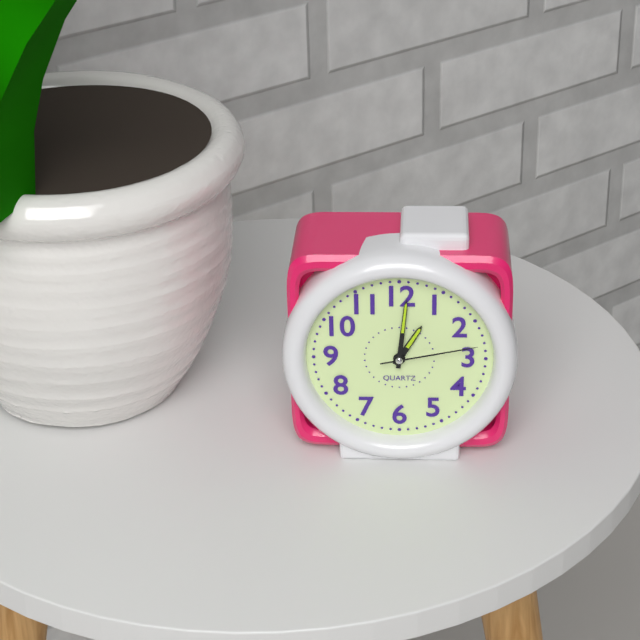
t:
1:01:13
